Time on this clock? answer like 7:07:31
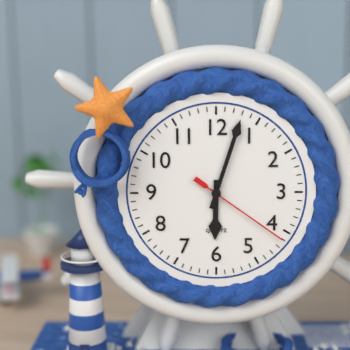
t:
6:03:21
